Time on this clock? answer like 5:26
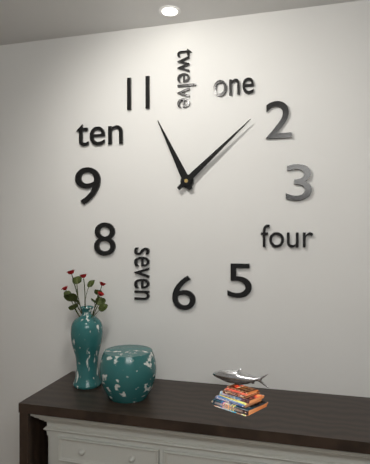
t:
11:08
